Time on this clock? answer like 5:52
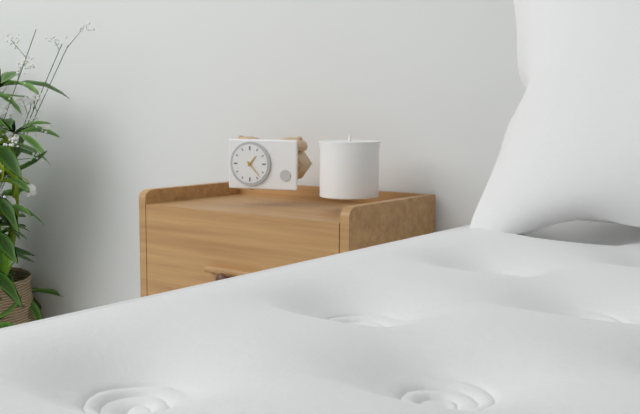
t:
1:23
